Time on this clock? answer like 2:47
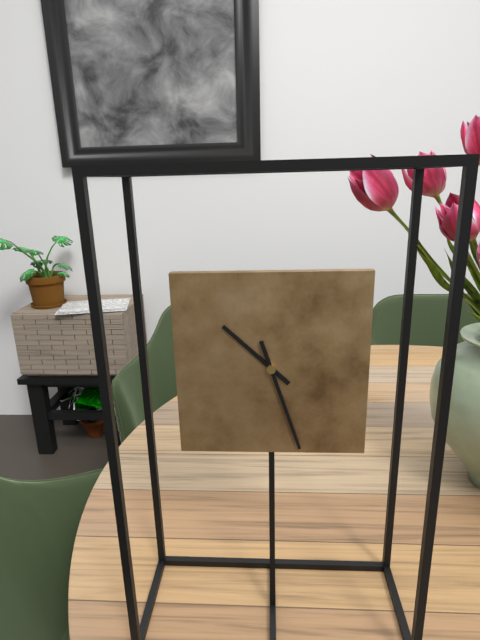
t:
10:27
